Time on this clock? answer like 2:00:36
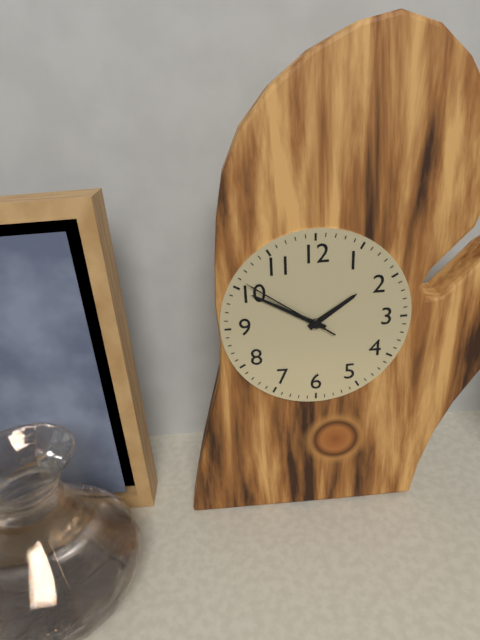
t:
1:50:51
